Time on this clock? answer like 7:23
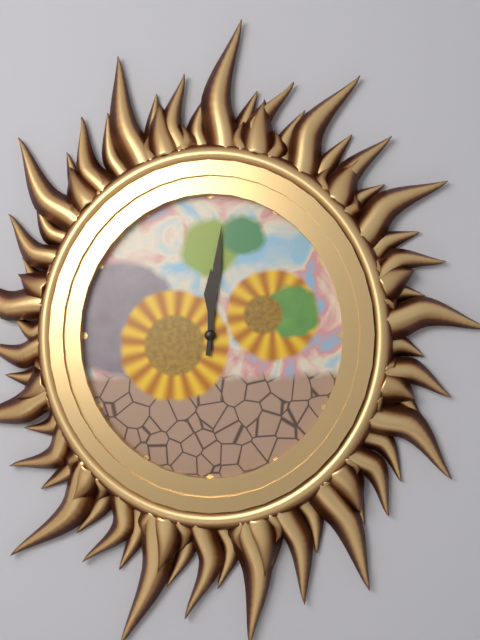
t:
12:01
